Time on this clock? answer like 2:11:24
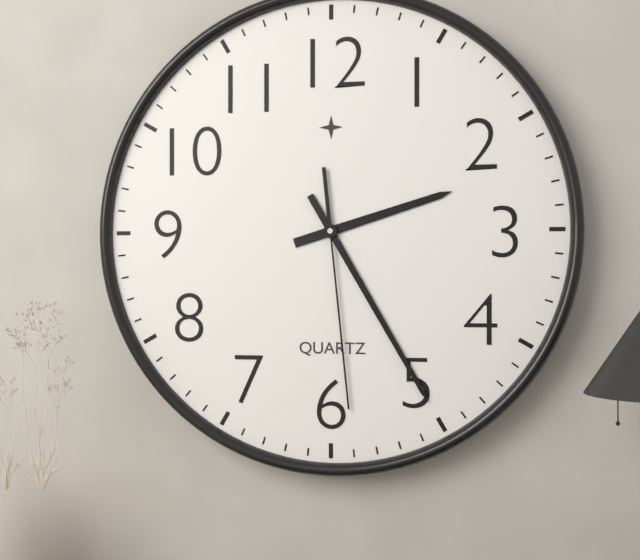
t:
2:25:29
